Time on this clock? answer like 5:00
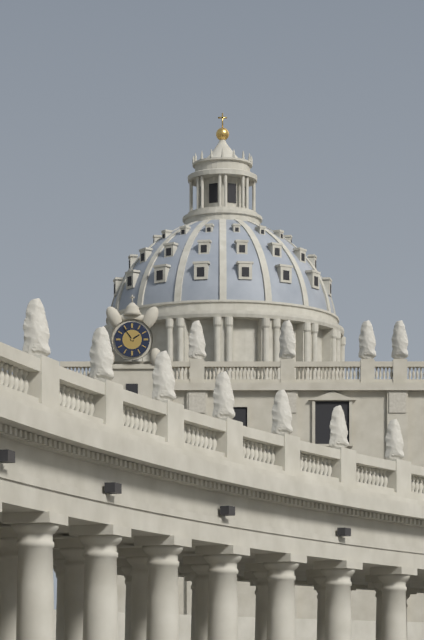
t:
1:54
